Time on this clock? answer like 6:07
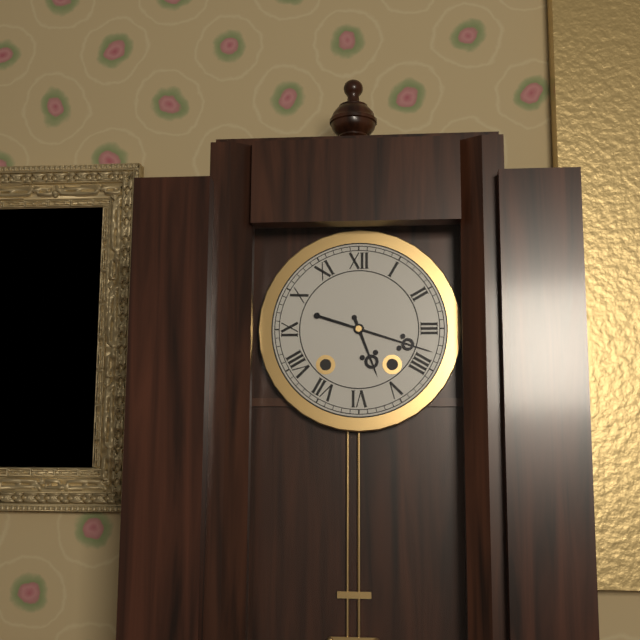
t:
5:18
